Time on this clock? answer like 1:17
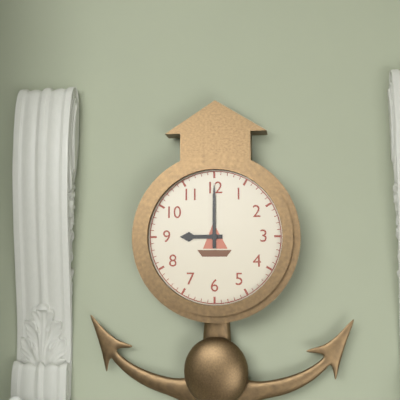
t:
9:00
